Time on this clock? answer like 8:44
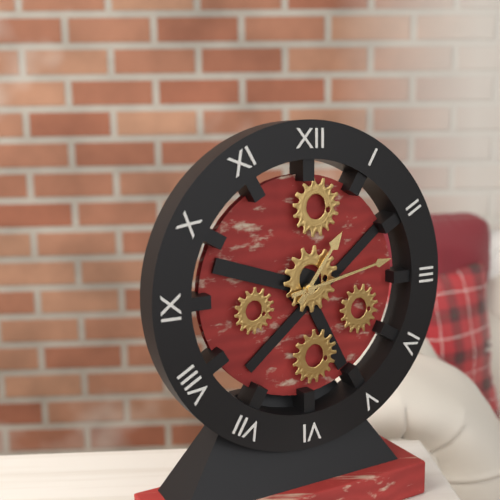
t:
1:13
